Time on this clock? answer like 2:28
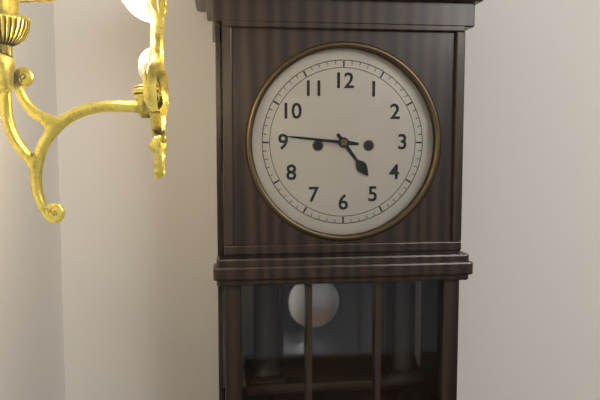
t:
4:46
